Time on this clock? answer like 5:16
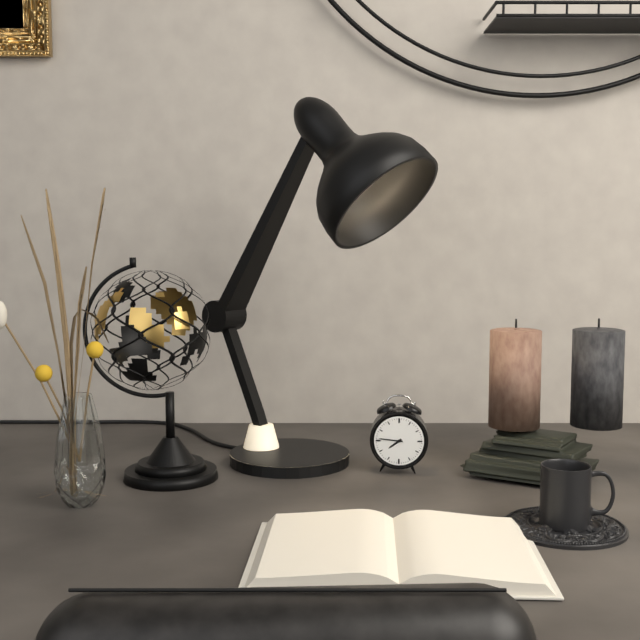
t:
7:46
